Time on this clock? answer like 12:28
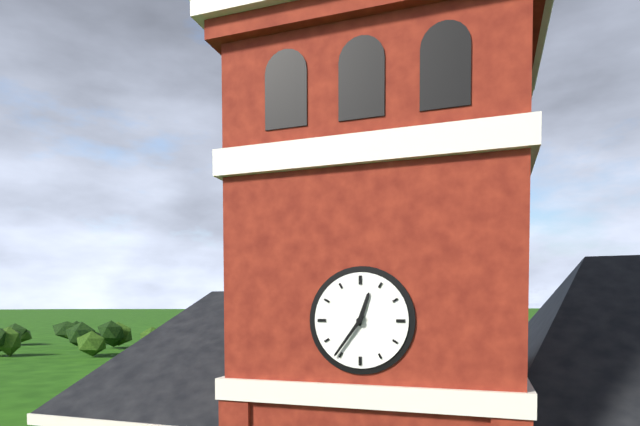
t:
12:36
